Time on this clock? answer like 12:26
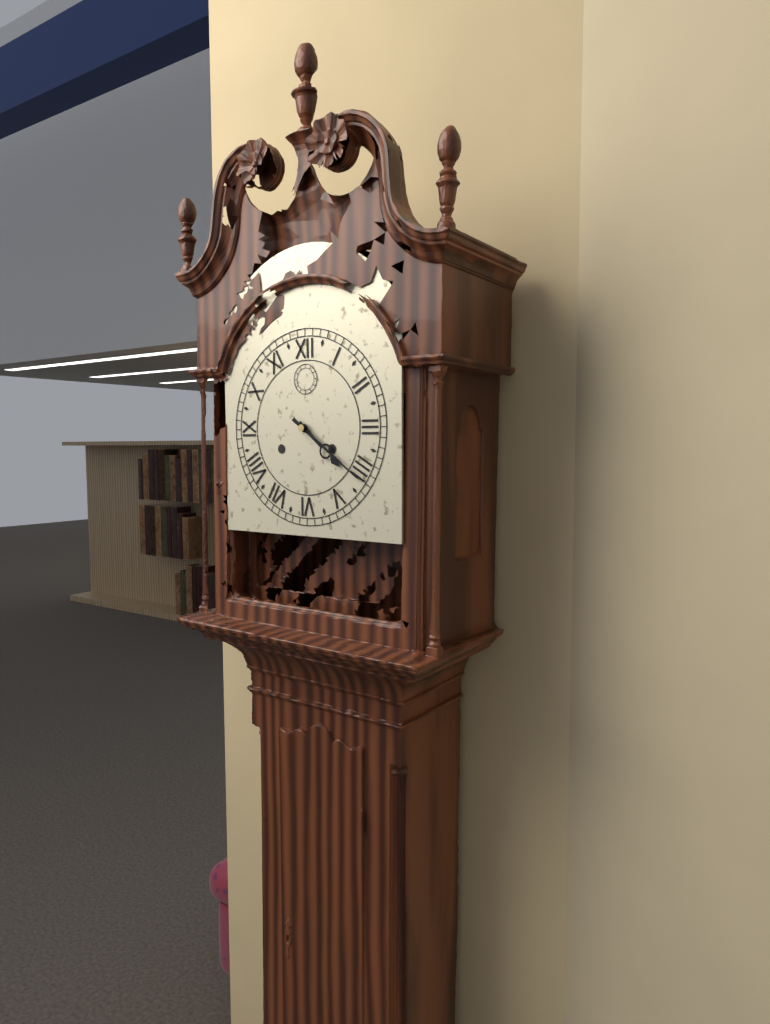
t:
4:21
